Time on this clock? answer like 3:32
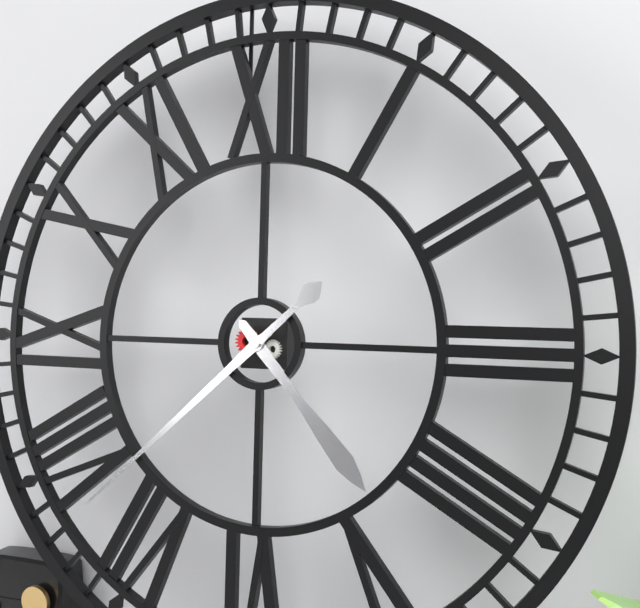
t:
4:38
